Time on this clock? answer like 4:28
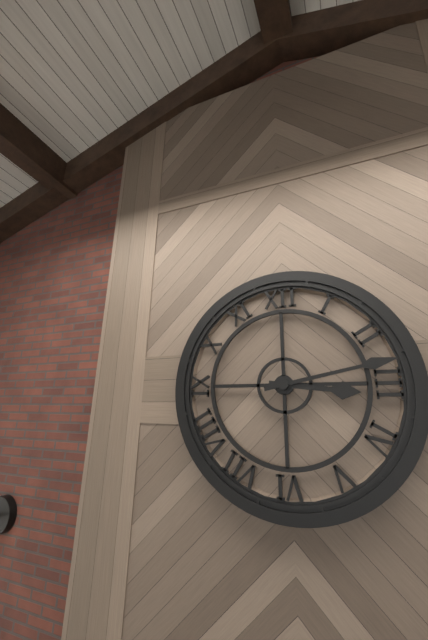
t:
3:13
